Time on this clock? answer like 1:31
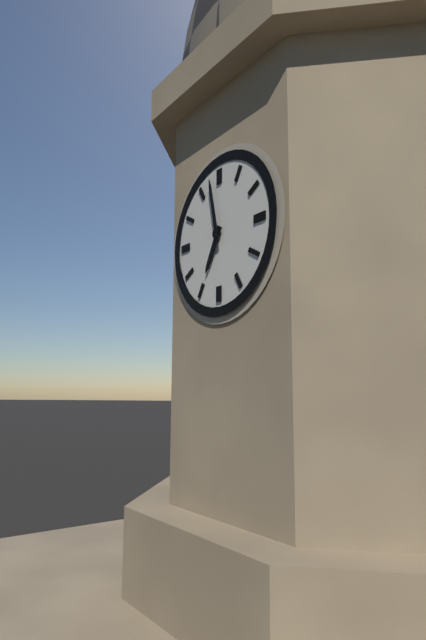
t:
6:58
